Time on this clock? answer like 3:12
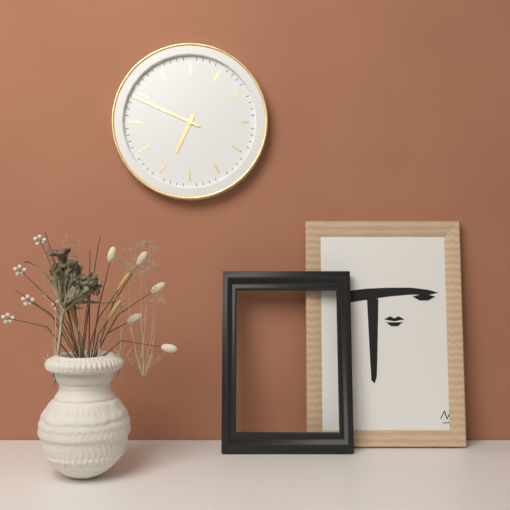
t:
6:49
